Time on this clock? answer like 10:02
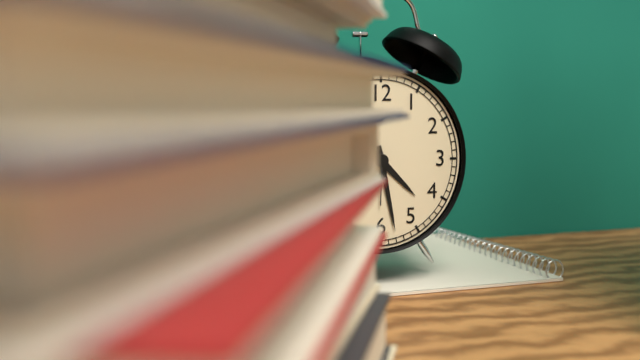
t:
4:28
